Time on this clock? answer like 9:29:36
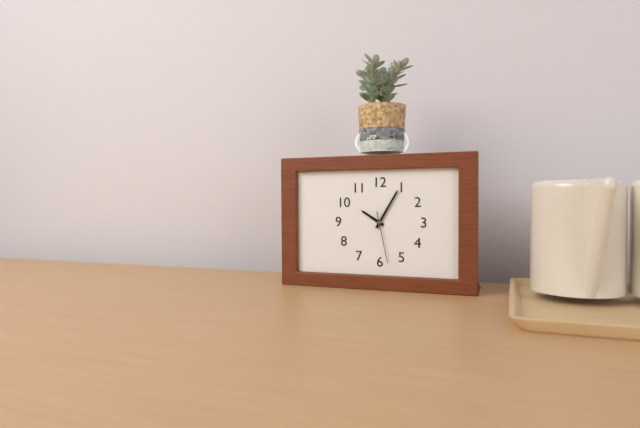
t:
10:05:28
